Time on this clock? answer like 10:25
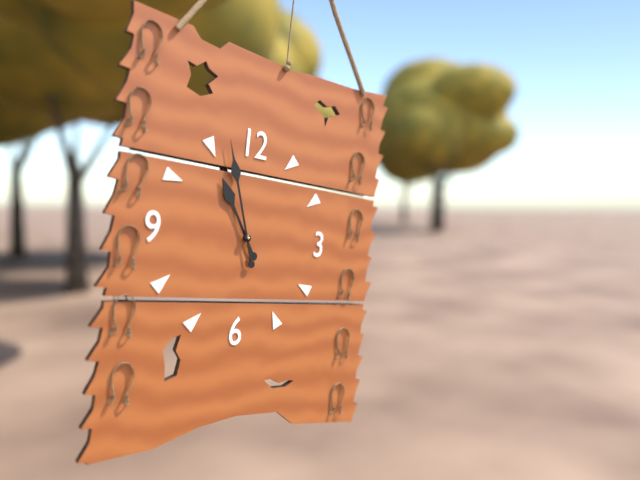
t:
10:57
